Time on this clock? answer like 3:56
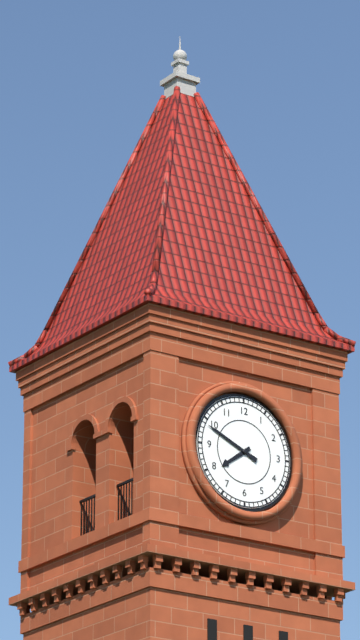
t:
7:49
